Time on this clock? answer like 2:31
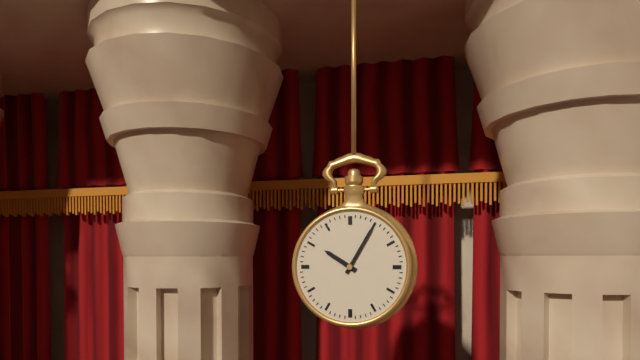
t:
10:05
